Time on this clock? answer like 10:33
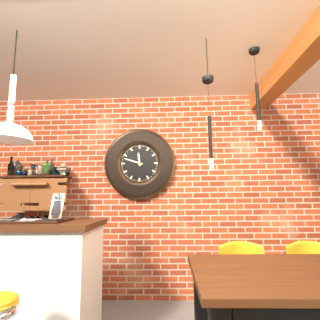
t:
11:48
